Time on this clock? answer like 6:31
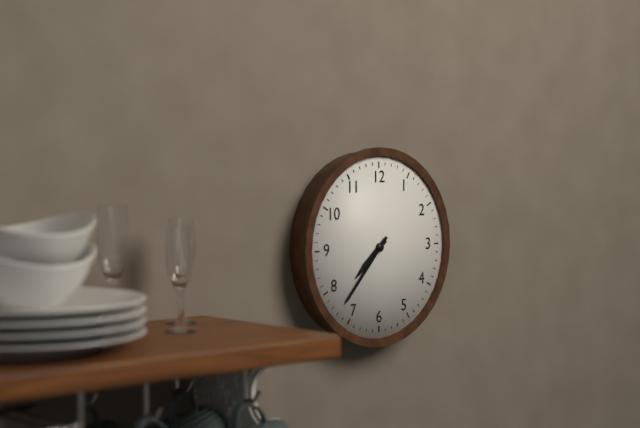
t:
7:37
